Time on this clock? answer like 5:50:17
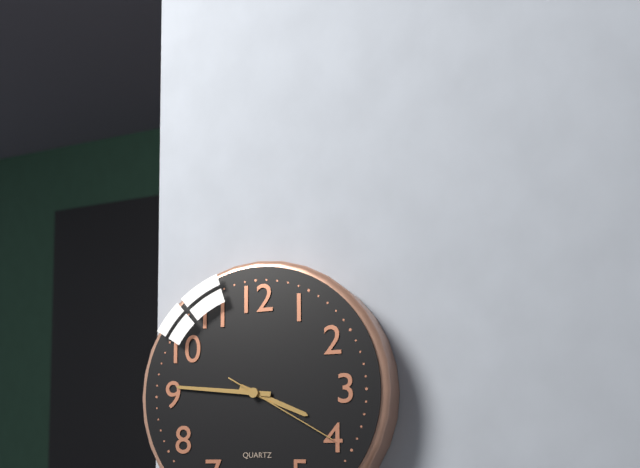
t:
3:46:20
